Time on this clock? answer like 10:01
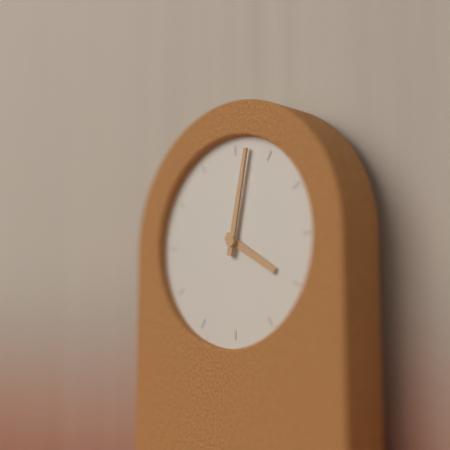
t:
4:02
